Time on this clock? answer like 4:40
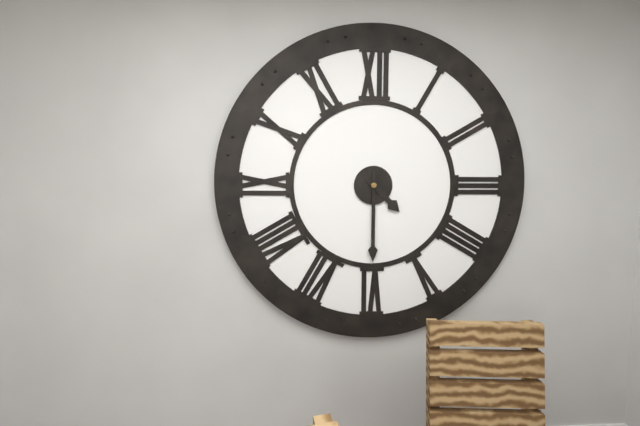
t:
4:30
